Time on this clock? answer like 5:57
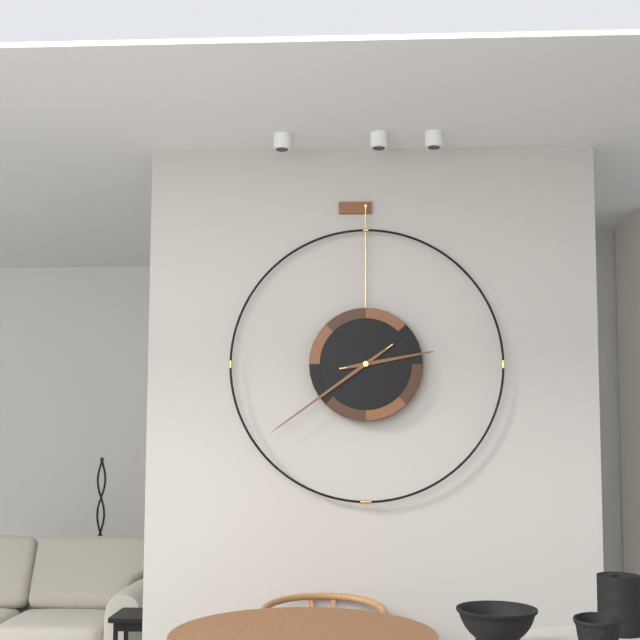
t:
2:39
